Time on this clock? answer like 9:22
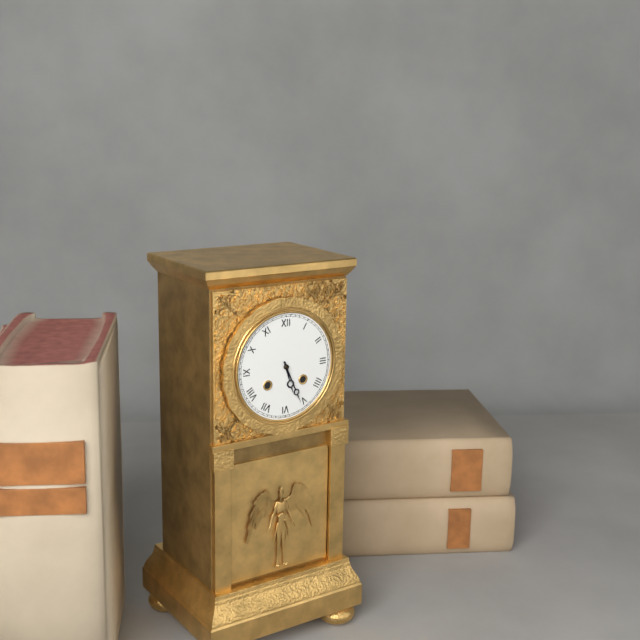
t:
5:26
